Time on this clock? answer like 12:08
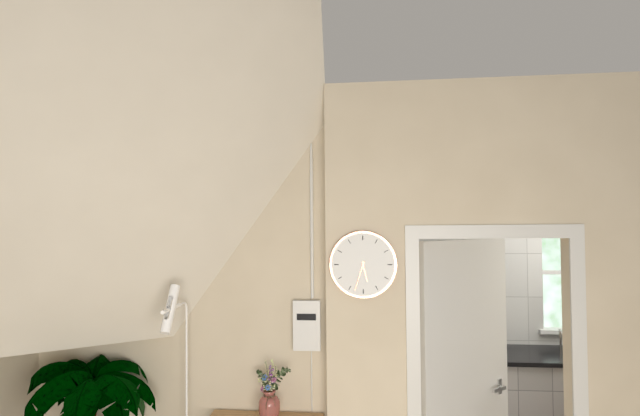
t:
5:33
